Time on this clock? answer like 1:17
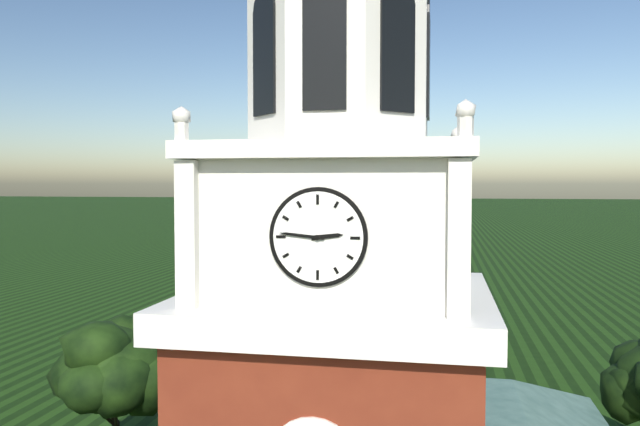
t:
2:46
